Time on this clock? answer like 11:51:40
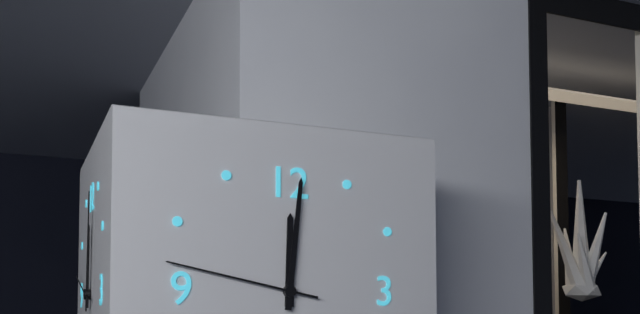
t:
12:01:47
